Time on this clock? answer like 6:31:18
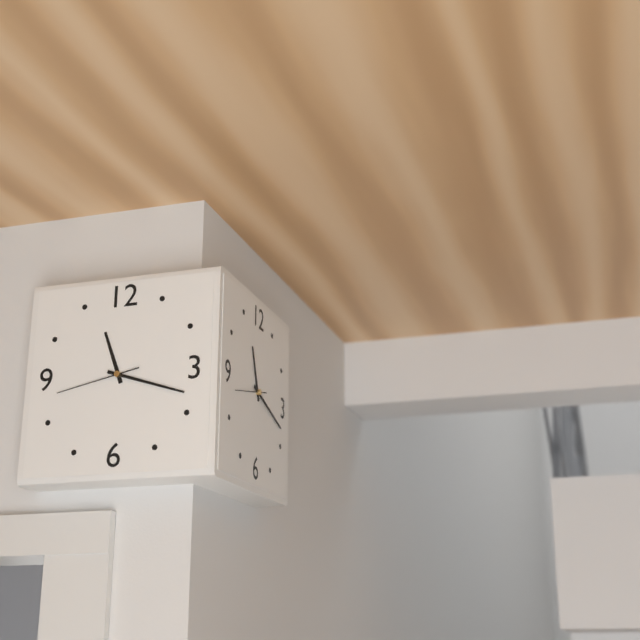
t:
11:18:43
